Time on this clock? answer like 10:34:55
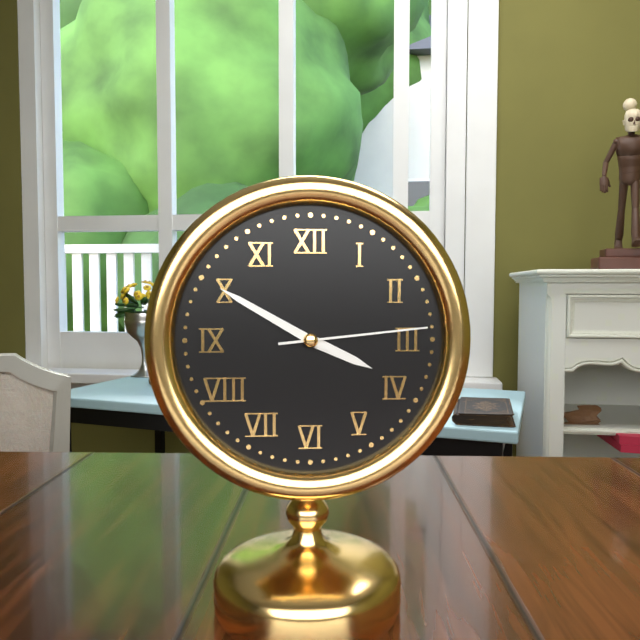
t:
3:50:14
